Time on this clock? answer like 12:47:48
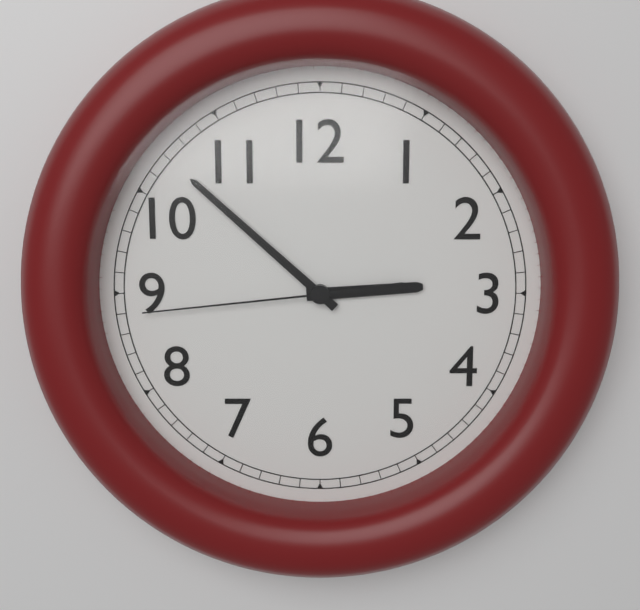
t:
2:52:44
